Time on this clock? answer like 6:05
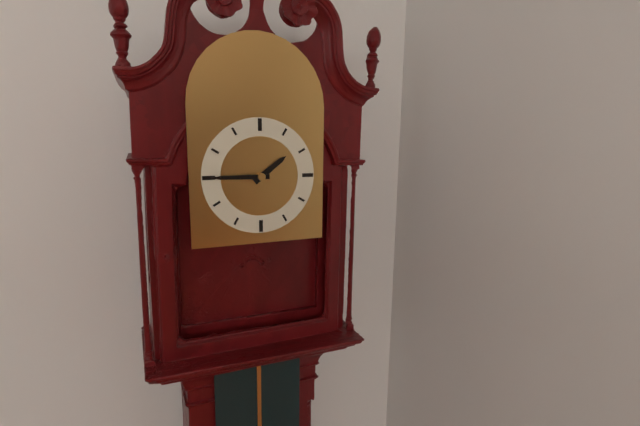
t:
1:45
